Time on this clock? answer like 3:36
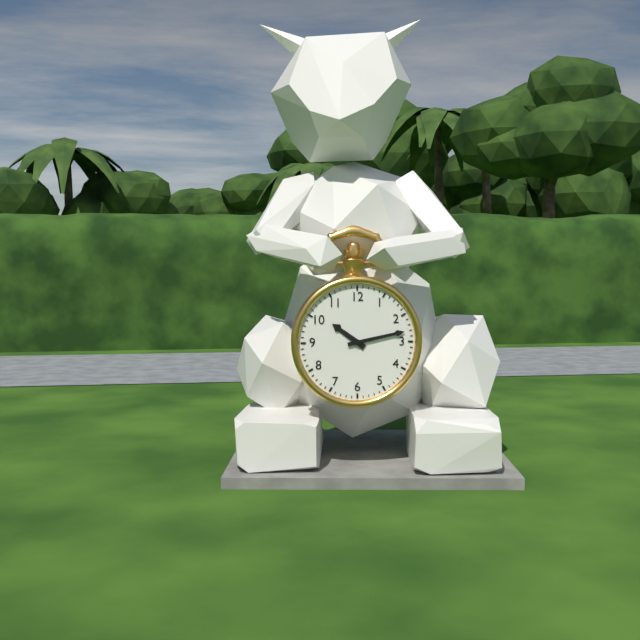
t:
10:13
